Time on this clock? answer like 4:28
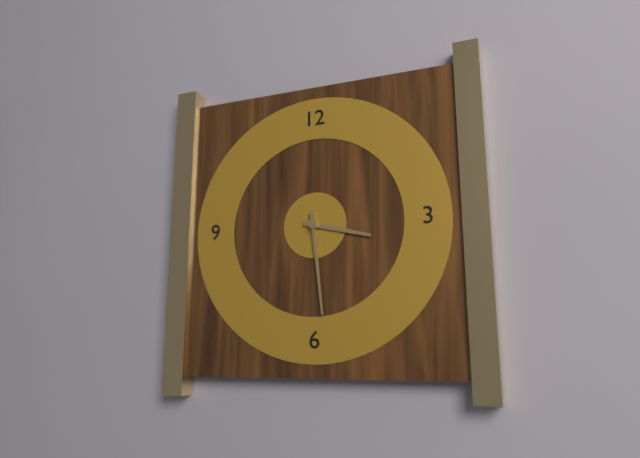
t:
3:29
